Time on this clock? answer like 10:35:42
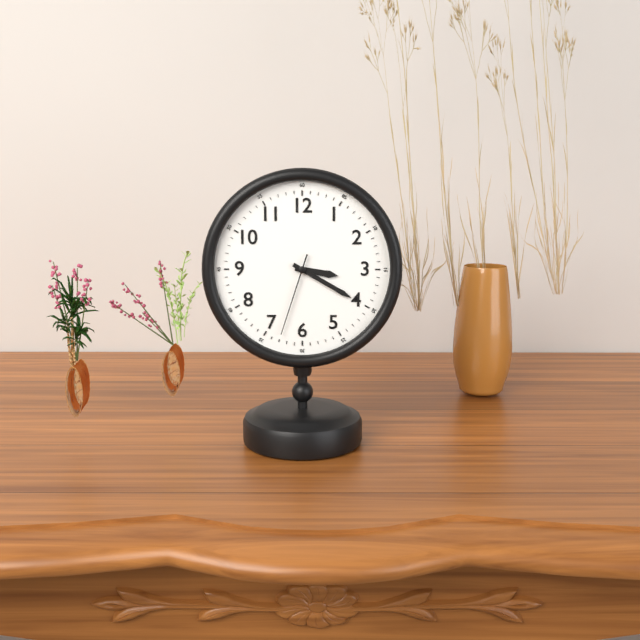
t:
3:20:33
